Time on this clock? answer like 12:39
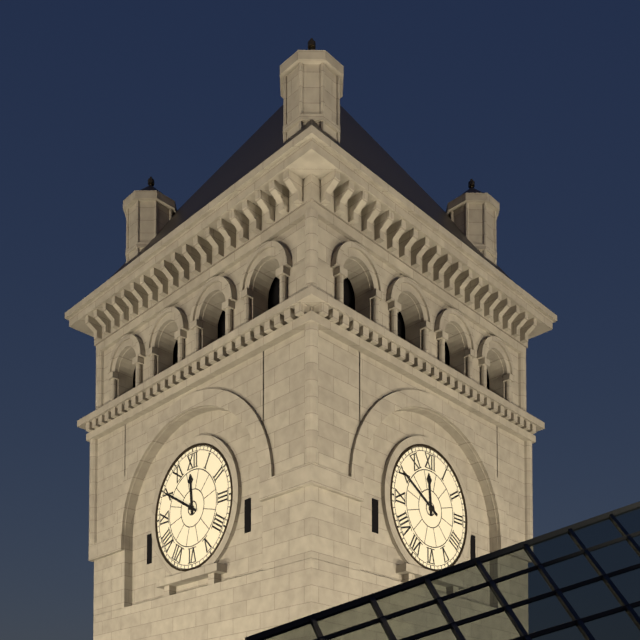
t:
11:50
